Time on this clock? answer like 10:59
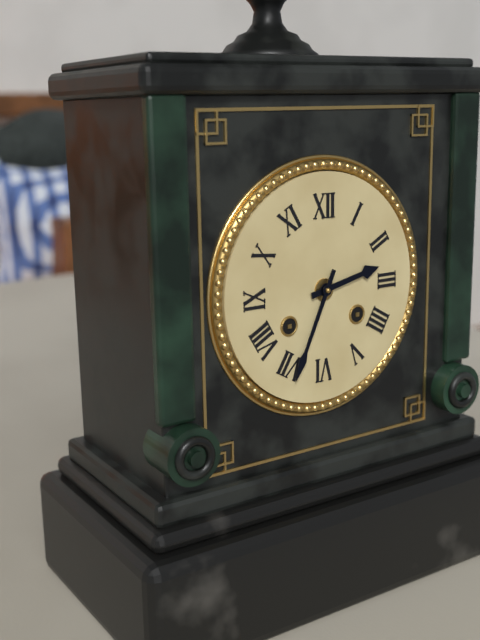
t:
2:34
